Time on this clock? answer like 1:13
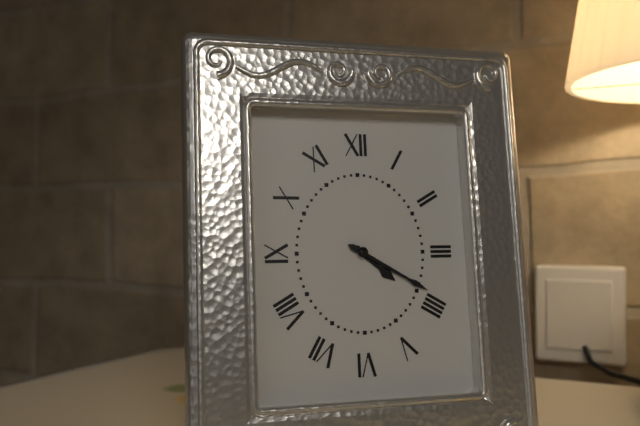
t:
4:20
